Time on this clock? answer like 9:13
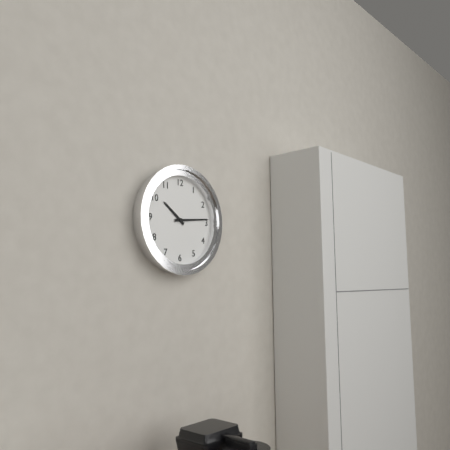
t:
10:14
